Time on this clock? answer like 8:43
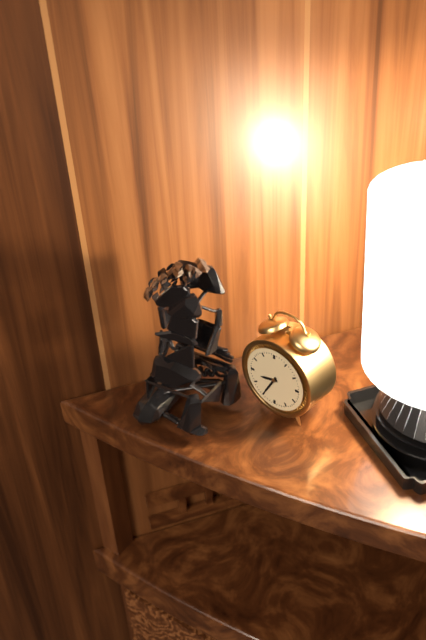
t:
8:35
